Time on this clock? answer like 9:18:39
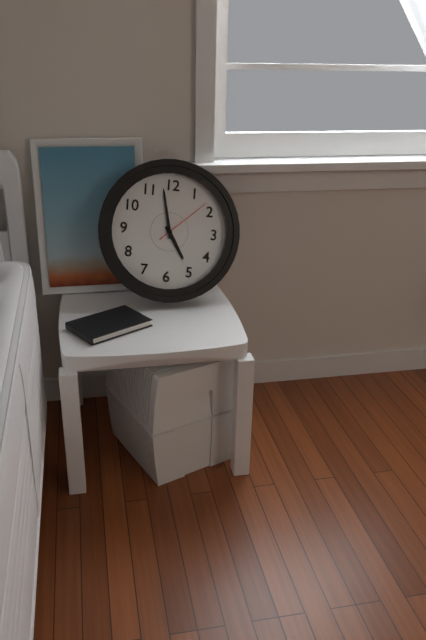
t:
4:58:08
